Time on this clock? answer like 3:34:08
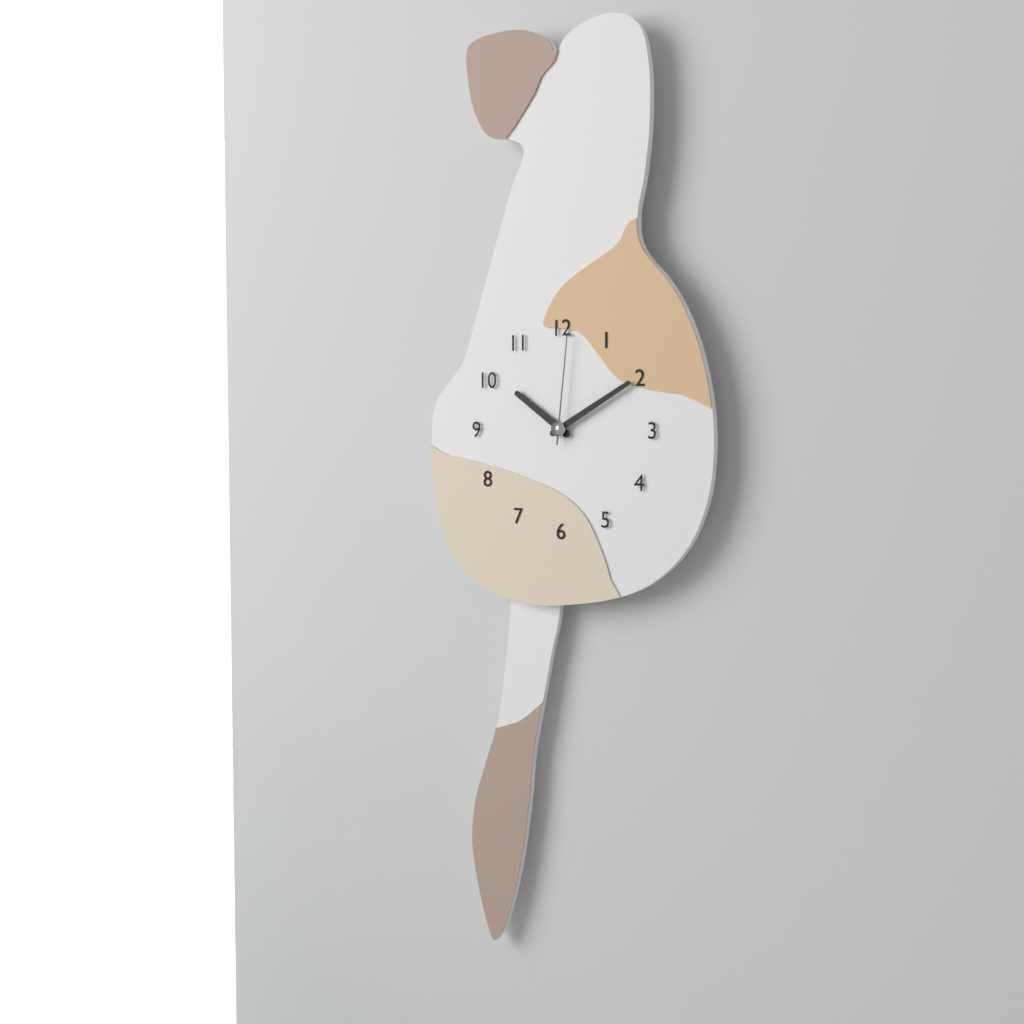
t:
10:10:01
